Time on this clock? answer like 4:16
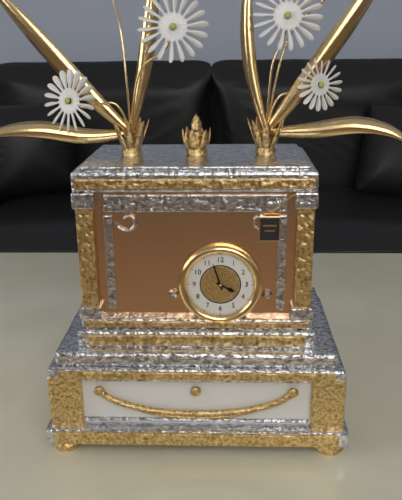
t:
3:57
